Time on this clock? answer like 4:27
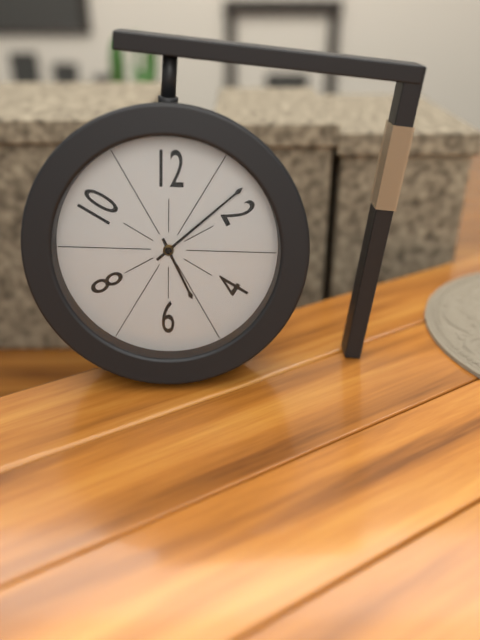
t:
5:08
